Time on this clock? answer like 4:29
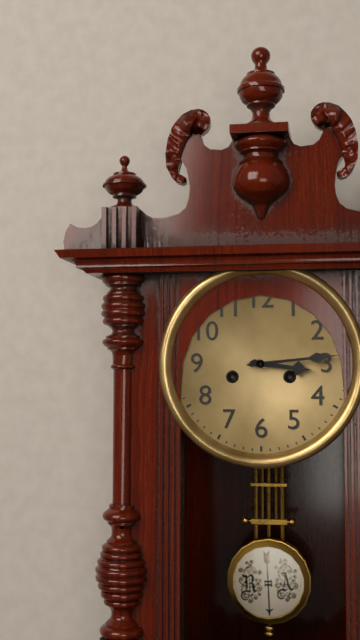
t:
3:14
